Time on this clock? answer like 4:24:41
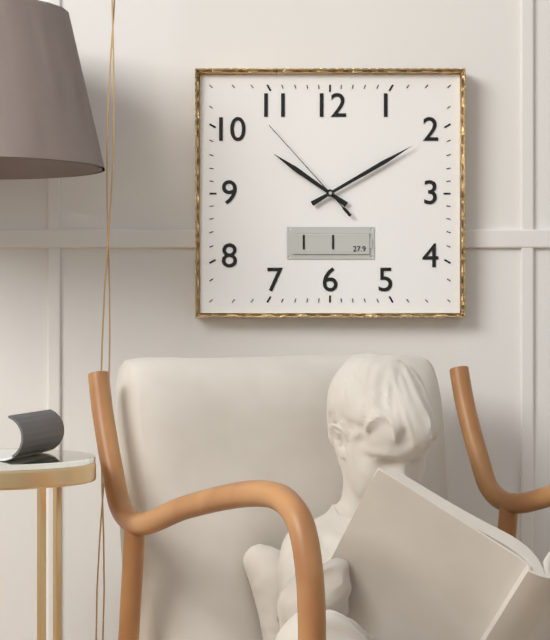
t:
10:10:53
